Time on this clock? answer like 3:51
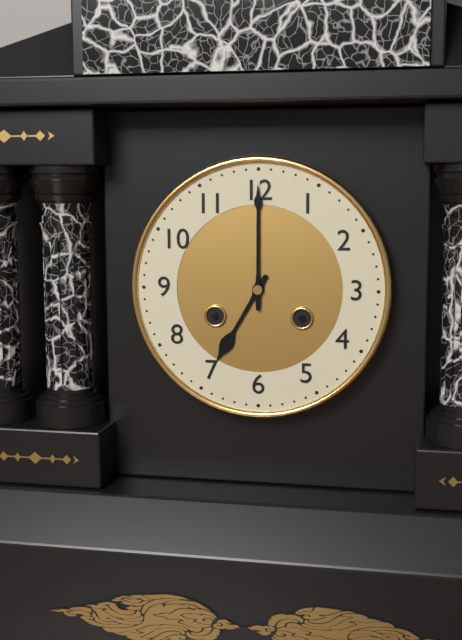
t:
7:00
